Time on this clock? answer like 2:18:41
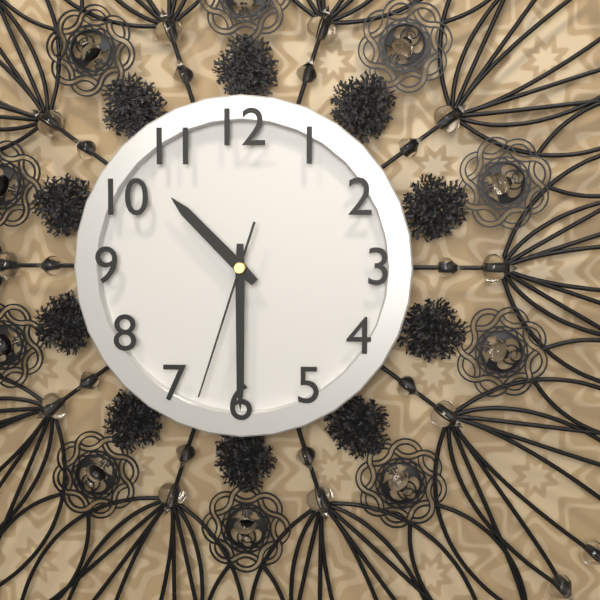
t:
10:30:33
